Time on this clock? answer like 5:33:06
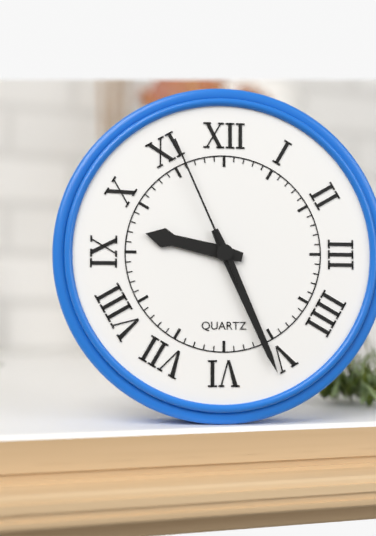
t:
9:26:56
